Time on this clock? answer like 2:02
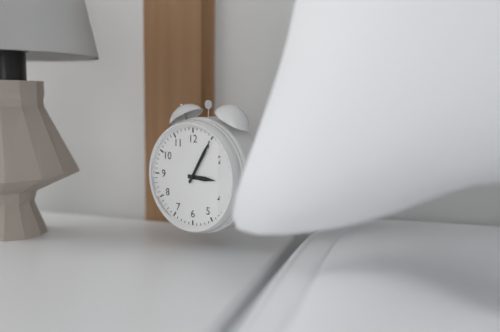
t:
3:05
